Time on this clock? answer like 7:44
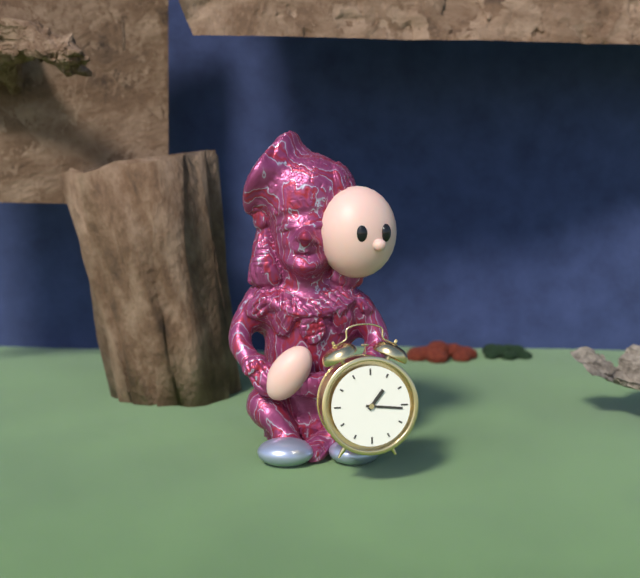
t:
1:16
